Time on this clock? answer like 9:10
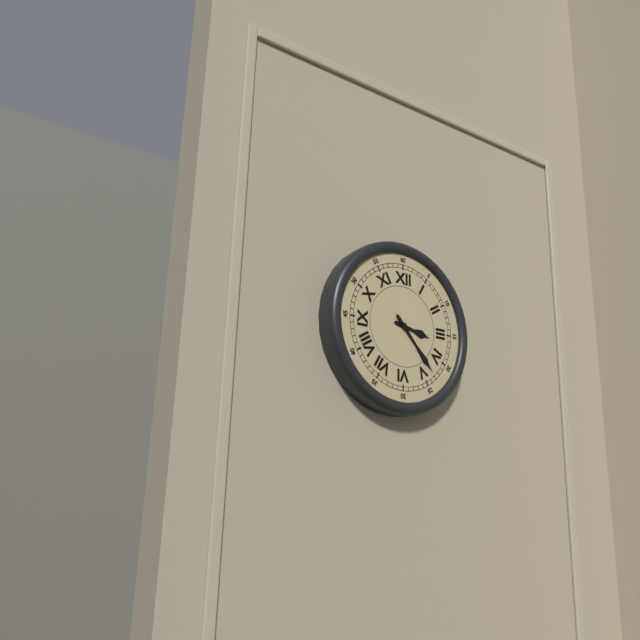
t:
3:23
